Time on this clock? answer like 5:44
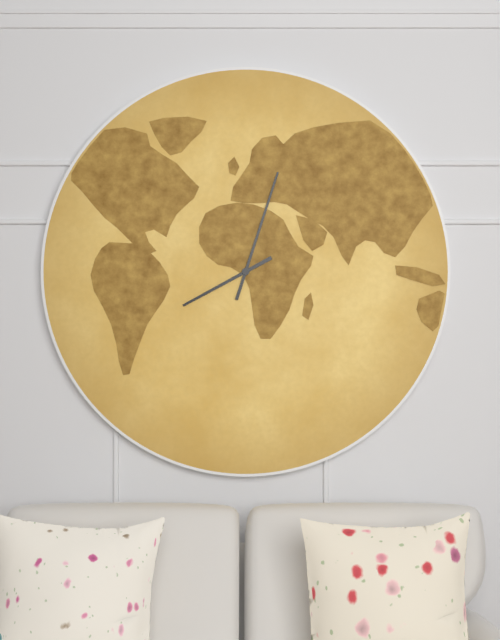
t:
8:03
